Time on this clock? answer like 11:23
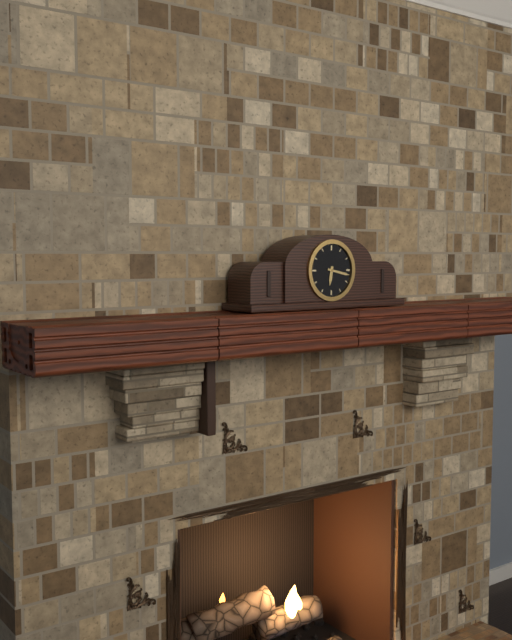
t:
6:17
